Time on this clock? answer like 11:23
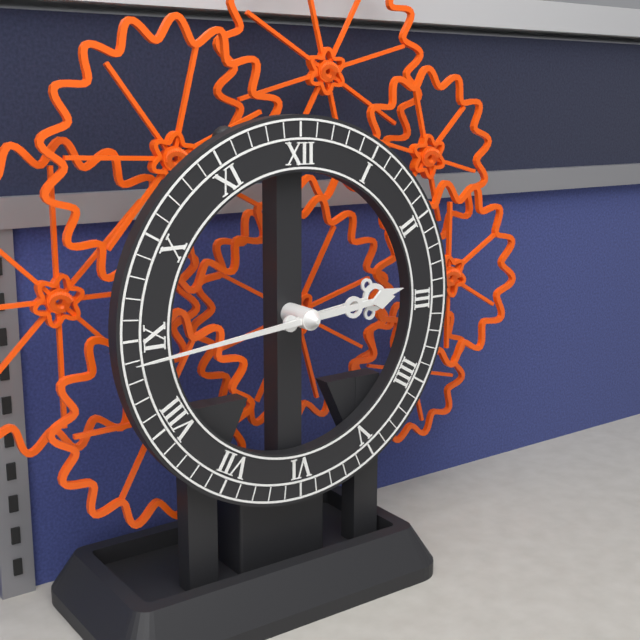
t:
2:44
